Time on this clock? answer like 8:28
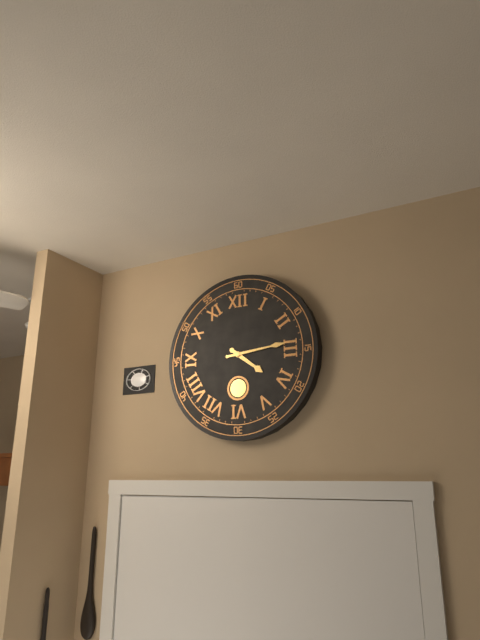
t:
4:14
